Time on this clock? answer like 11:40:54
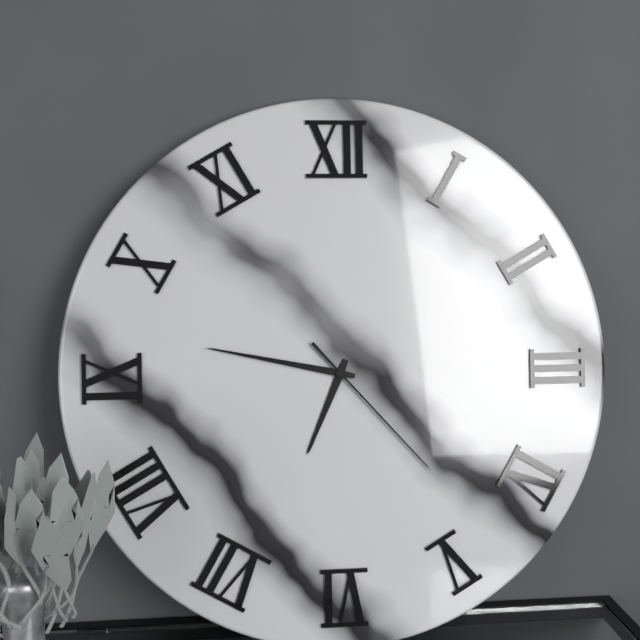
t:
6:47:23
